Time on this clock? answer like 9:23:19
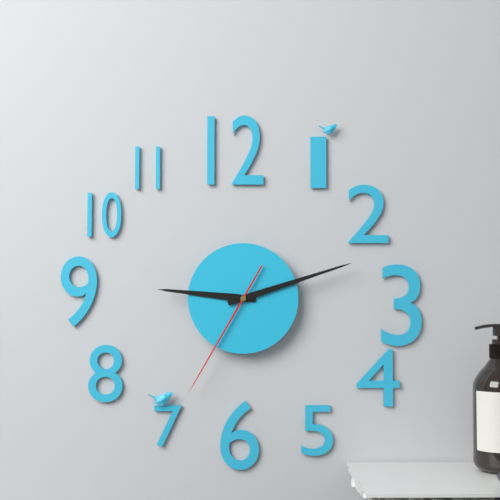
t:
9:12:35
